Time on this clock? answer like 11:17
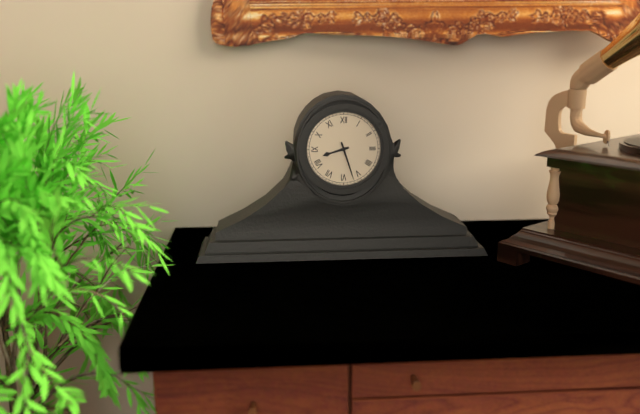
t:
8:27
